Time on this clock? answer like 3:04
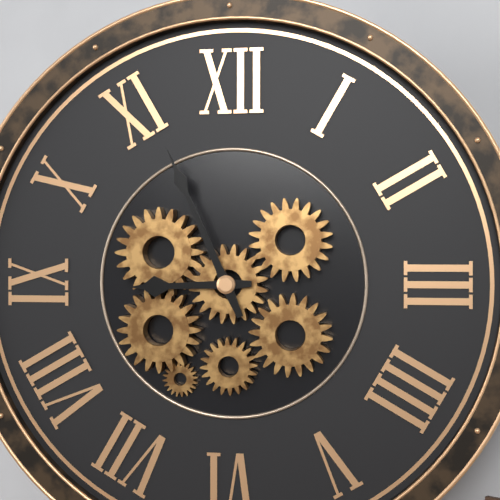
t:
8:56
